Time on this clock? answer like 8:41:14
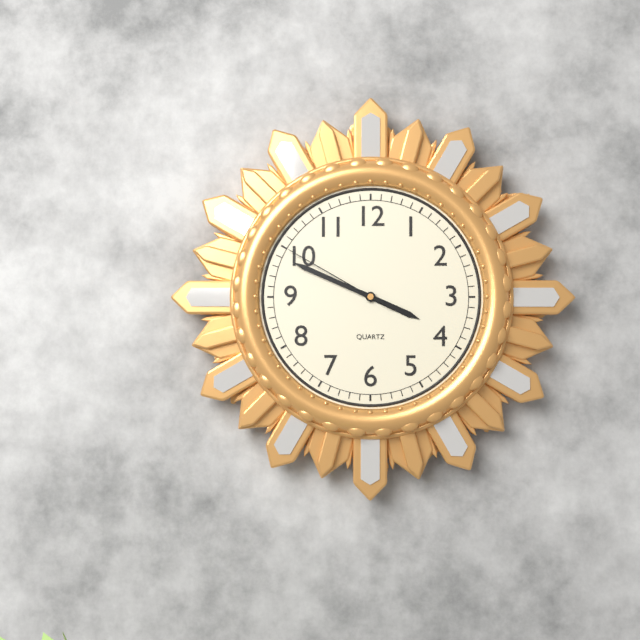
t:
3:49:50
